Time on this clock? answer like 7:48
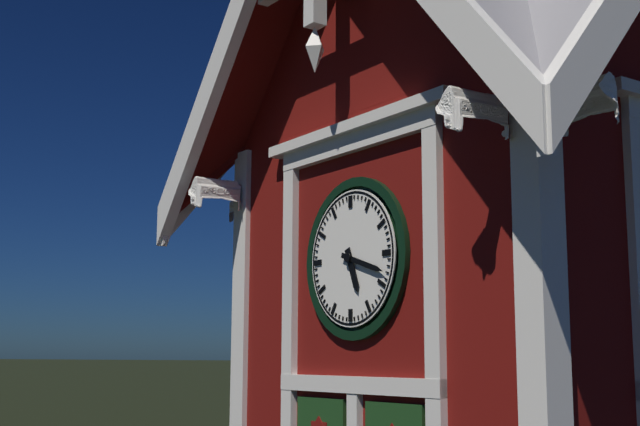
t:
5:18
